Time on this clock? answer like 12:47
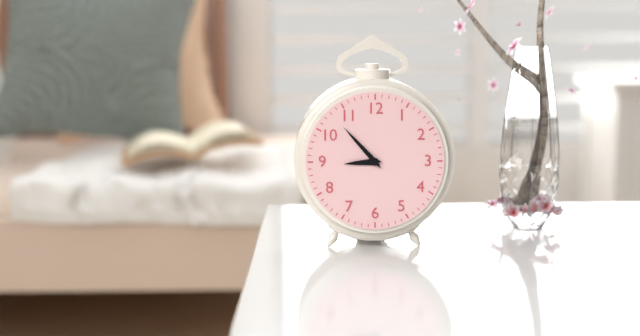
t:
8:53
